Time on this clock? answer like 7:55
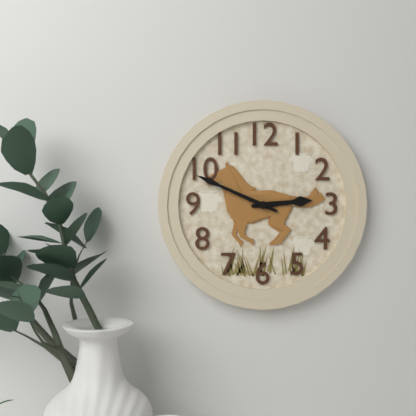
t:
2:49
